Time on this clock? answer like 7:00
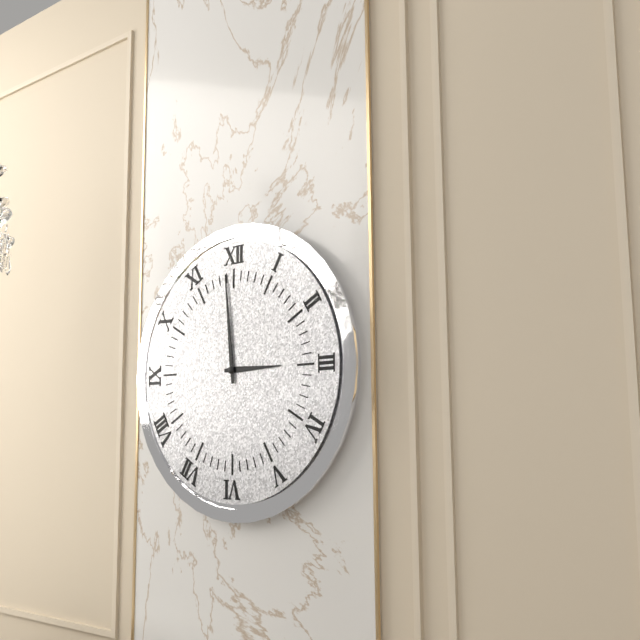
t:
2:59
